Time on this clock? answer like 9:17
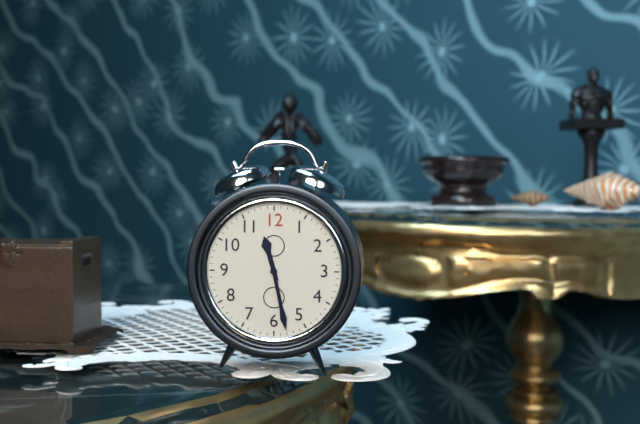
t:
11:28
